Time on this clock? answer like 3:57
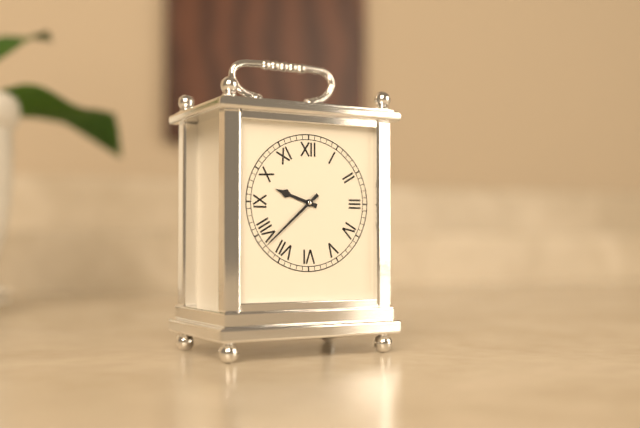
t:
9:38
